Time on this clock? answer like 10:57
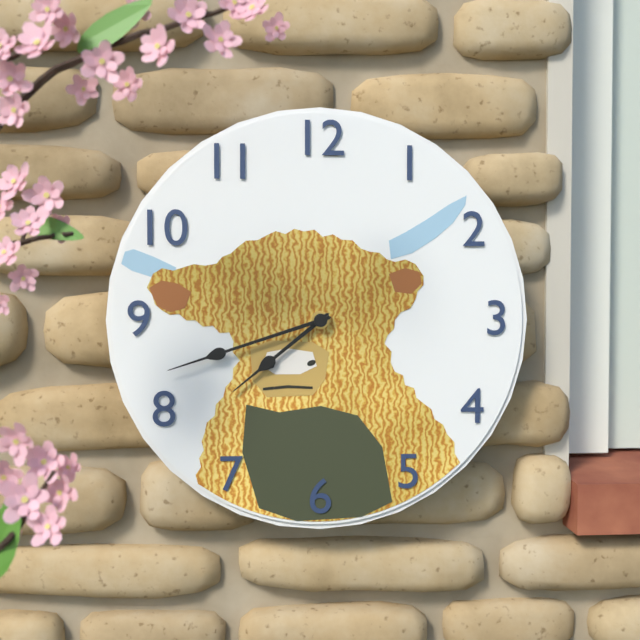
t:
7:42
